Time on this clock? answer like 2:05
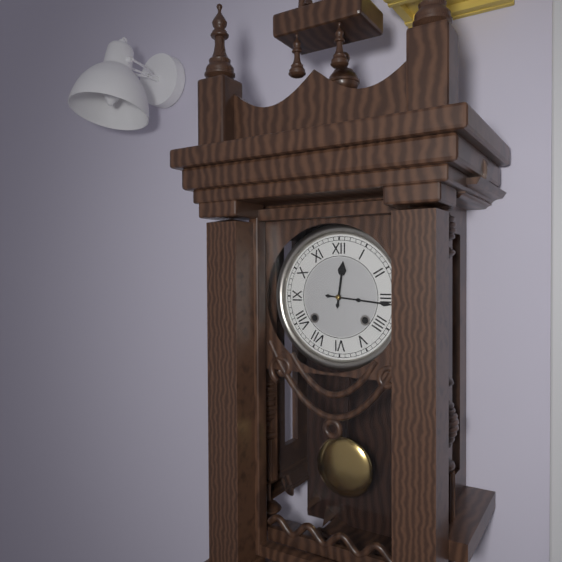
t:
12:16
